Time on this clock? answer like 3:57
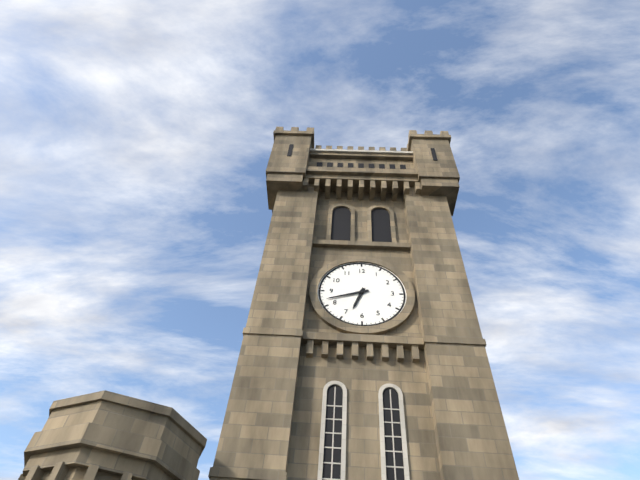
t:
6:42
